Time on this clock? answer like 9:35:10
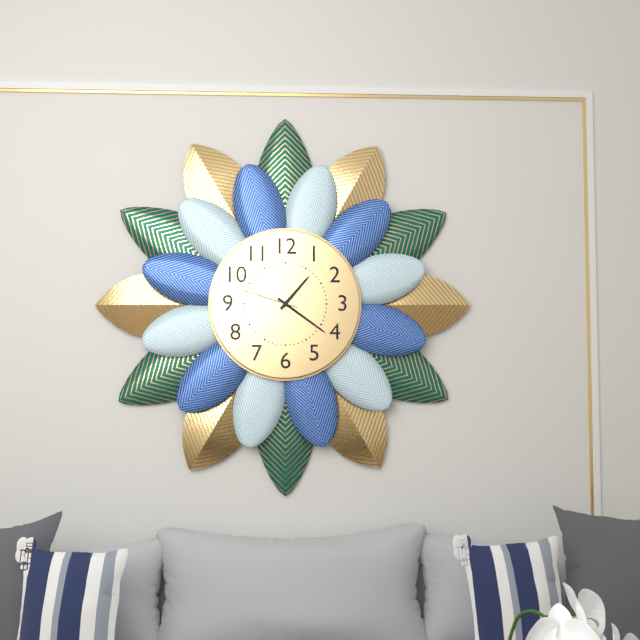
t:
1:21:48
